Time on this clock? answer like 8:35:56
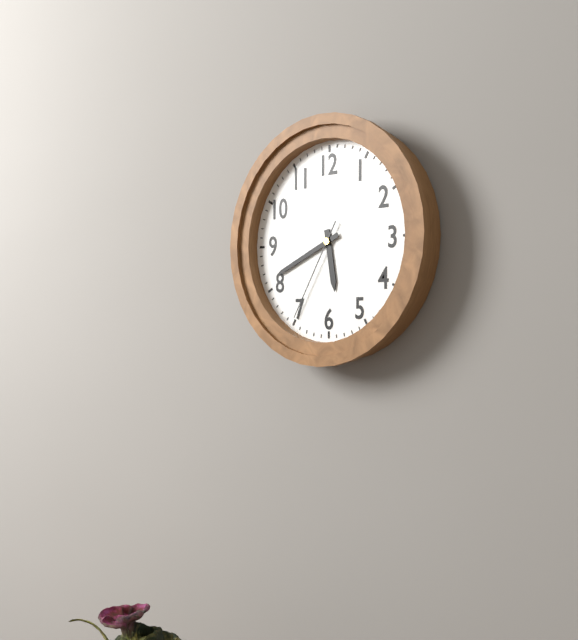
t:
5:41:35
